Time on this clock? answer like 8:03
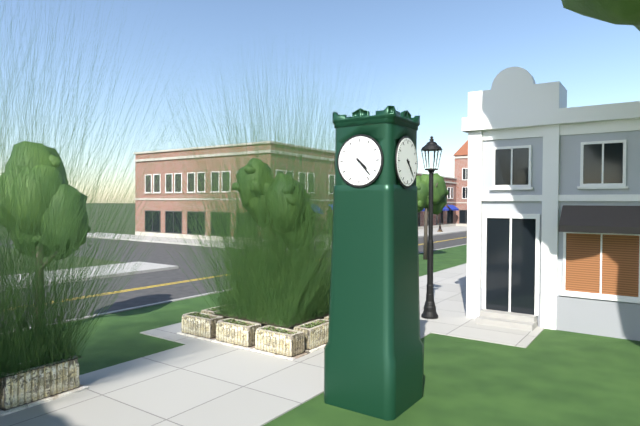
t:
4:23
